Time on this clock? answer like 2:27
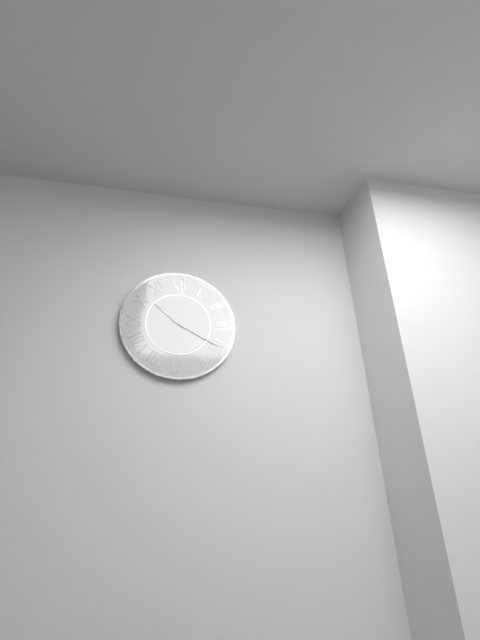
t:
10:20
